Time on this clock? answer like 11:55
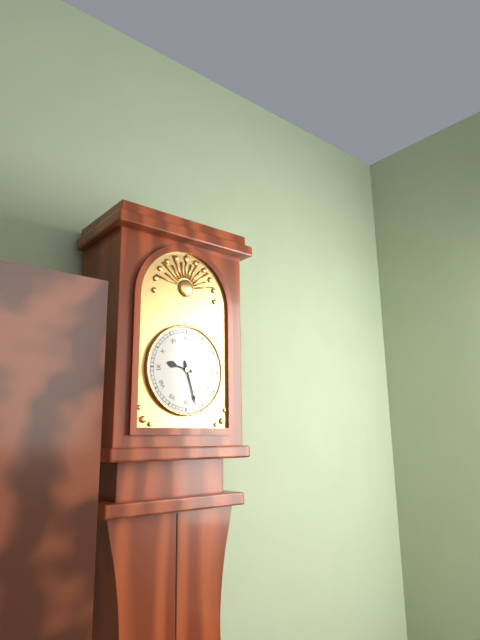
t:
9:27
